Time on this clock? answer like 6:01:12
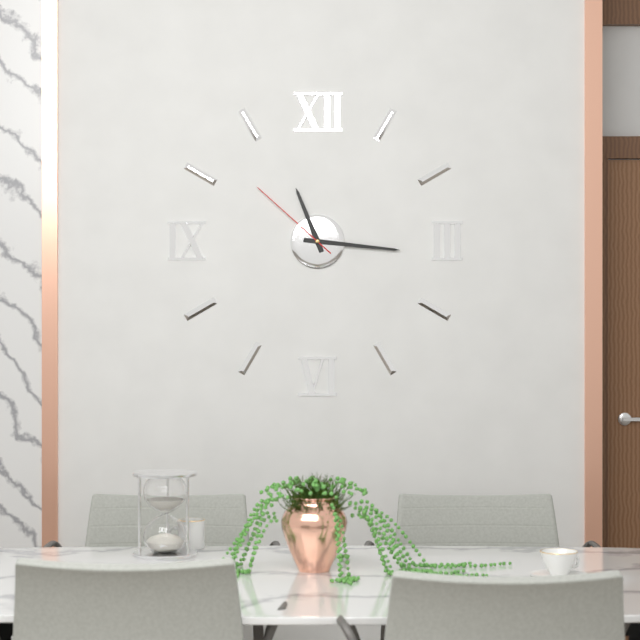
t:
11:16:52
